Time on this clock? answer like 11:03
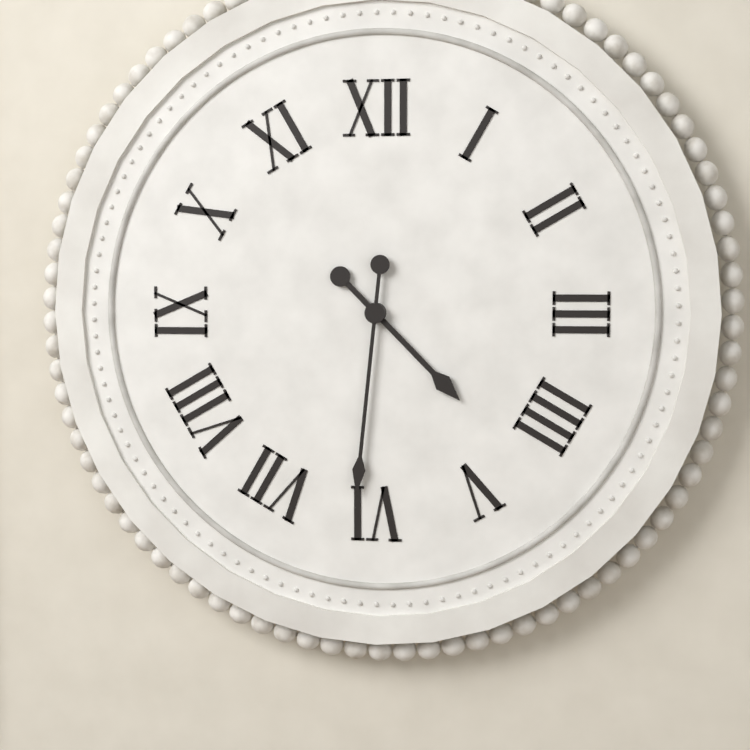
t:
4:31
